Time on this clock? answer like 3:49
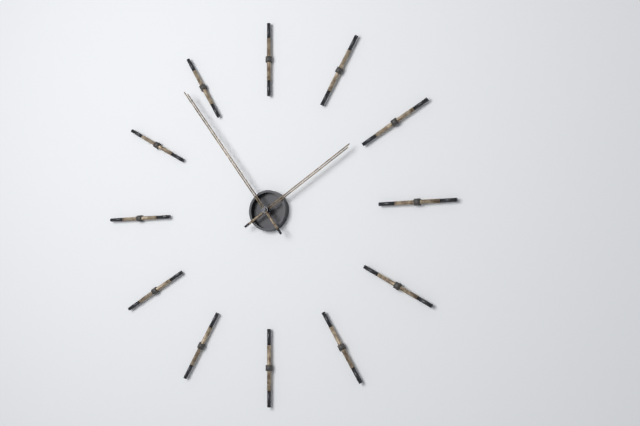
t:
1:54
